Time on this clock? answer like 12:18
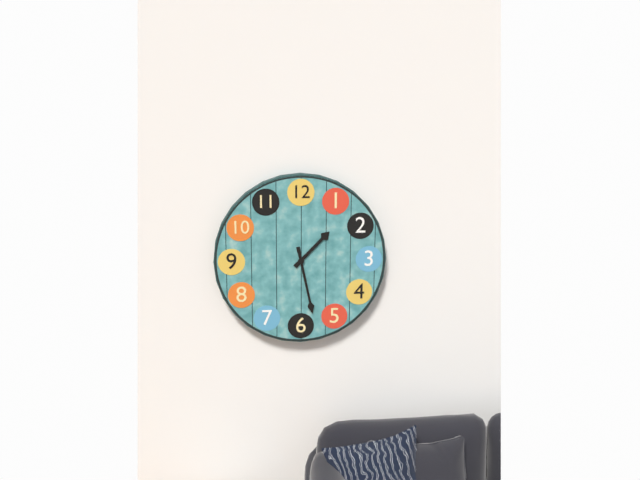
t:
1:28
